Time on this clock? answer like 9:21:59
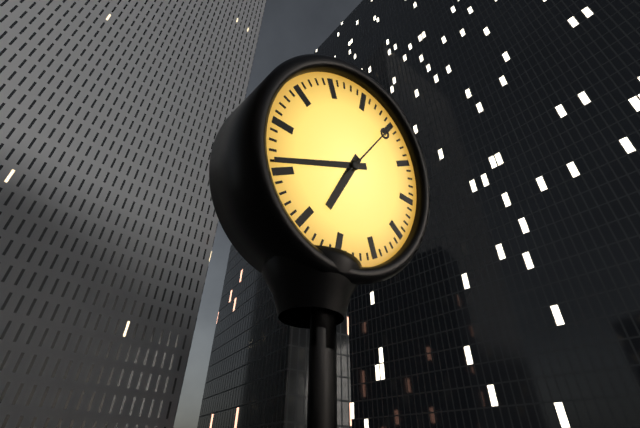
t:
6:41:05
